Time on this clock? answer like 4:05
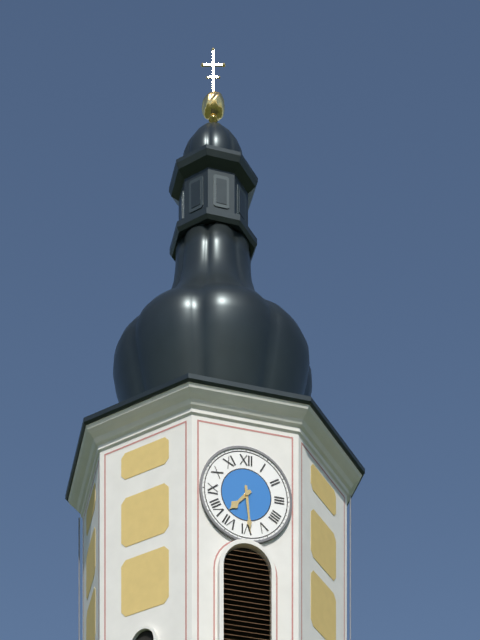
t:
7:29
